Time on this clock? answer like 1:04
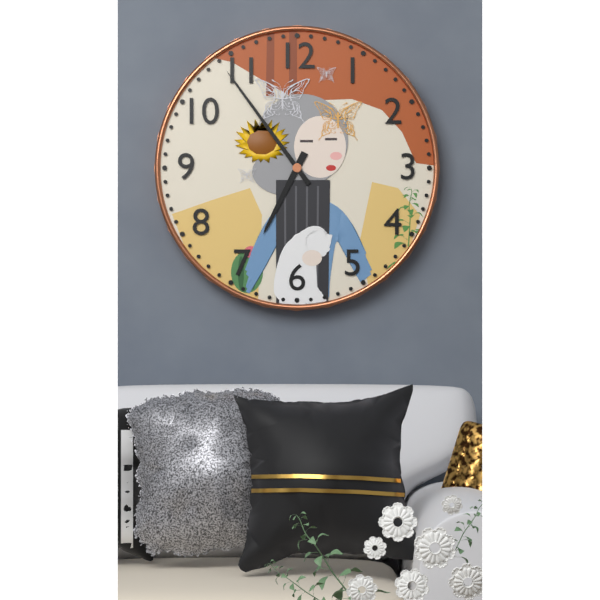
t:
6:54
